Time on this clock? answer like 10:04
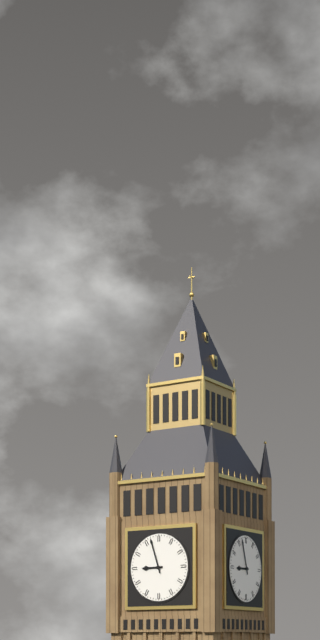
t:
8:57
